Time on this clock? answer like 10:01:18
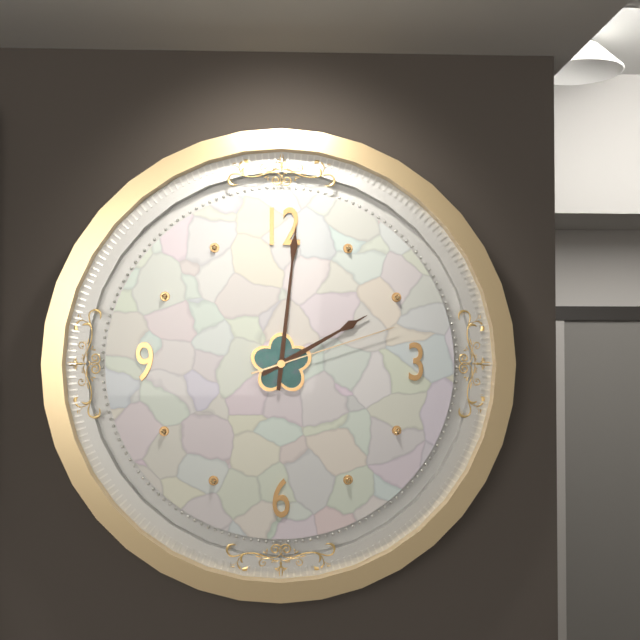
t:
2:01:12
